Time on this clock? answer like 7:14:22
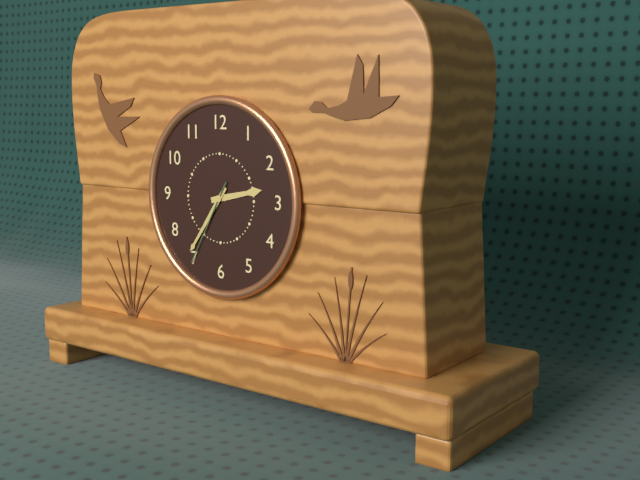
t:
2:36:35
